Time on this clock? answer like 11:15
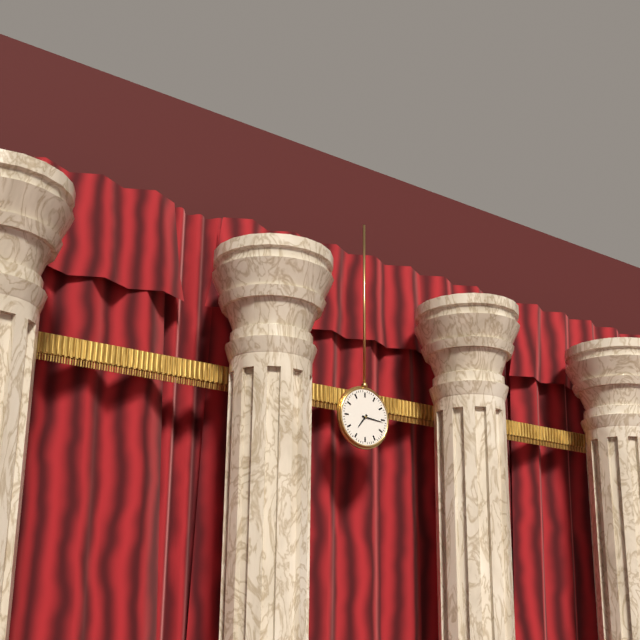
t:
7:16
